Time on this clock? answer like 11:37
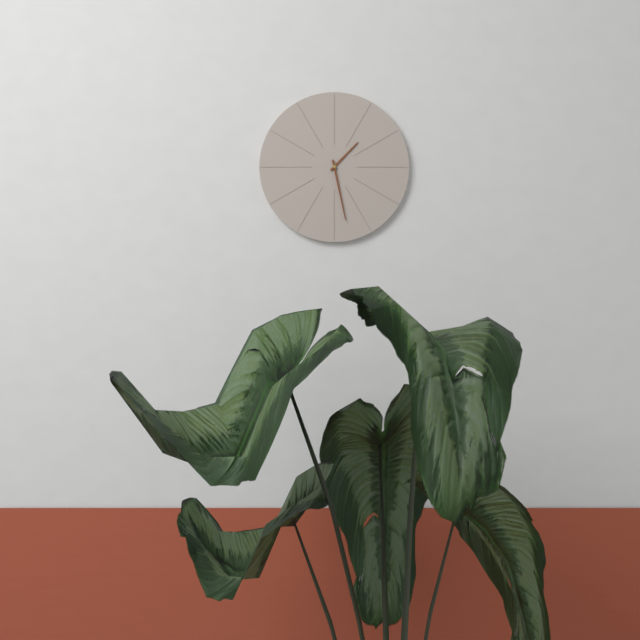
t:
1:28
